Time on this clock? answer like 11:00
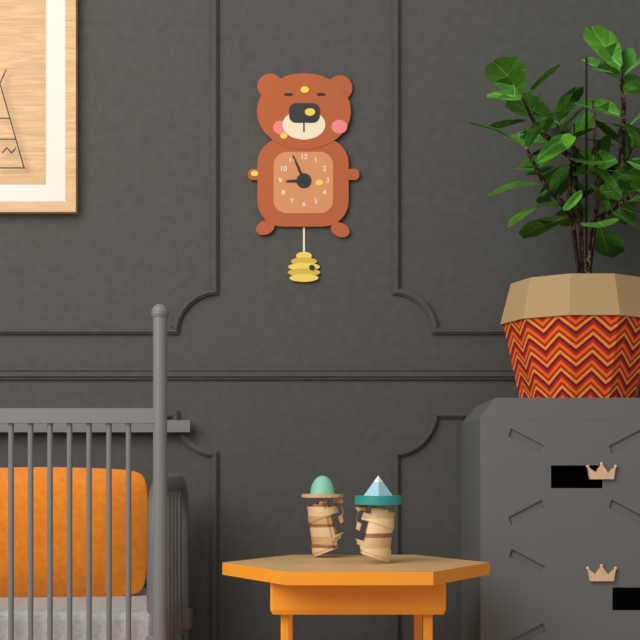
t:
8:56
